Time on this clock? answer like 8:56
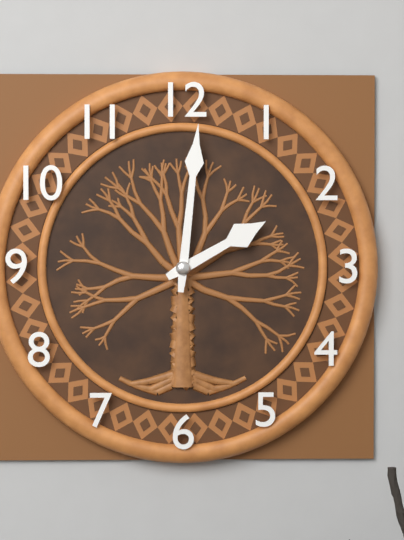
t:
2:01
